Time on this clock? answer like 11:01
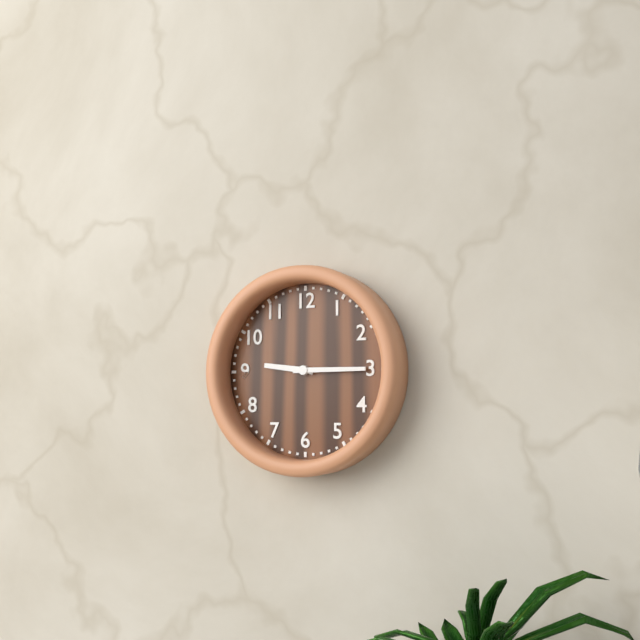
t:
9:15
